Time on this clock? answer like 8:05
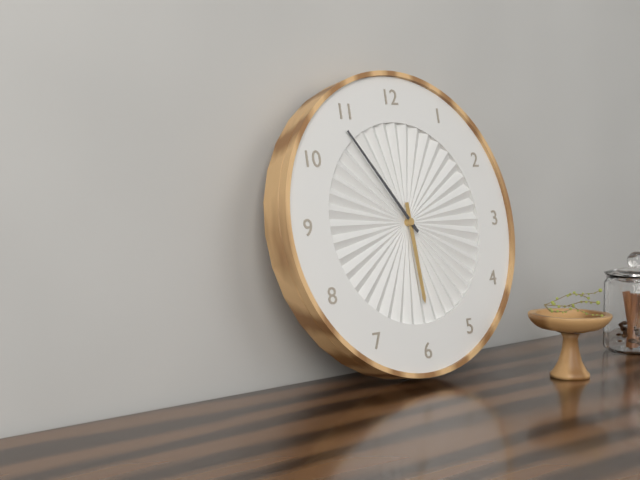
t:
5:54
